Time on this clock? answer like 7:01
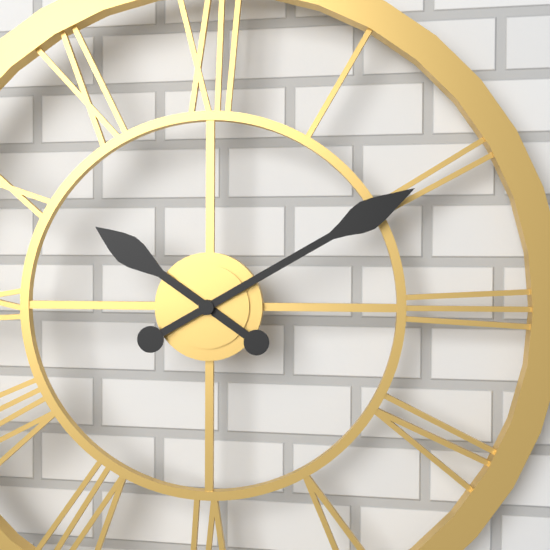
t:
10:10
